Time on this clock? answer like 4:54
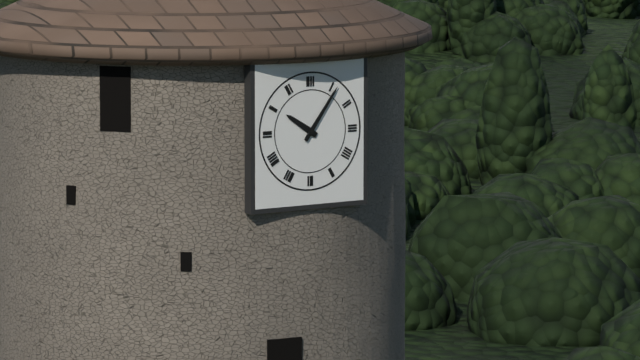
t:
10:06
